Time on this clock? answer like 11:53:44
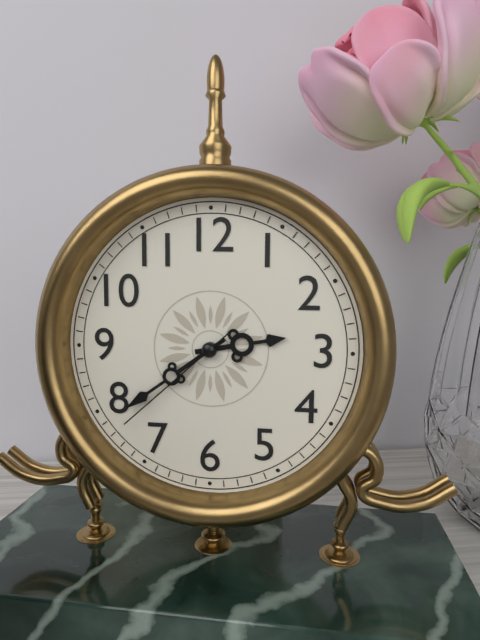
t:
2:39:38
